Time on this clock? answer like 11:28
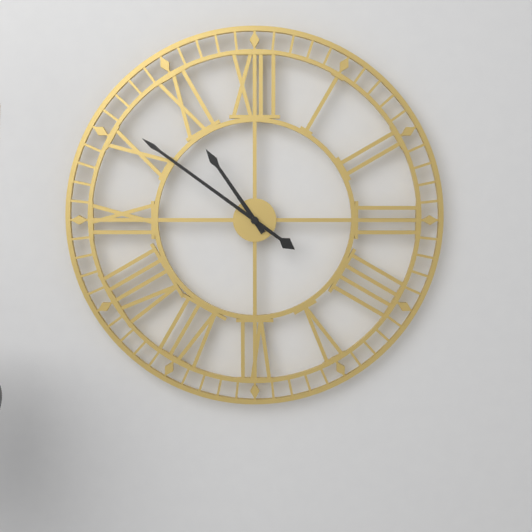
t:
10:51
